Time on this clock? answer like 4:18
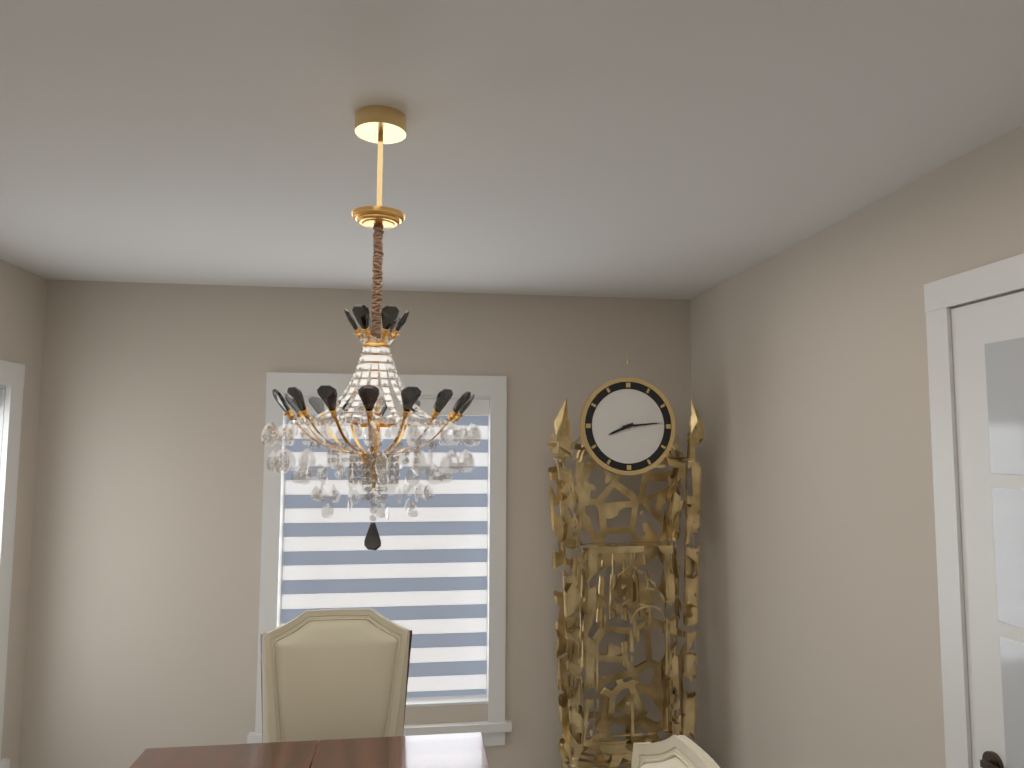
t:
8:14
